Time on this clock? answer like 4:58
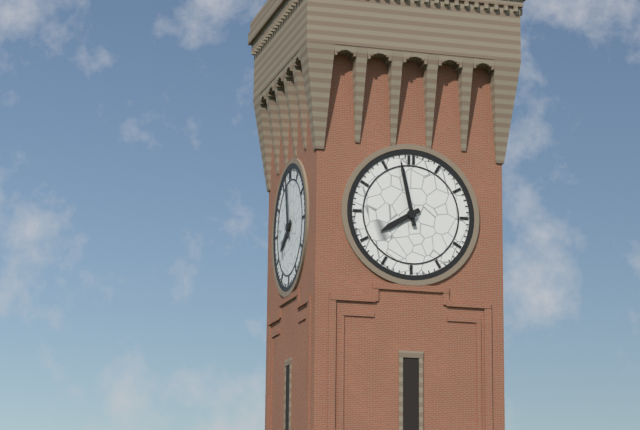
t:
7:58
